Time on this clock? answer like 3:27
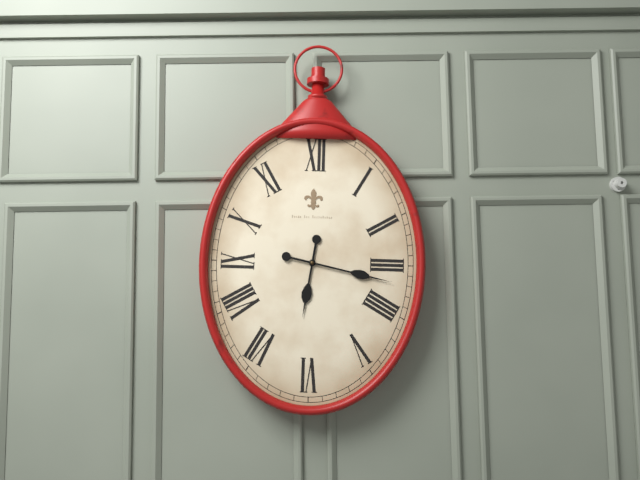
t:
6:17
